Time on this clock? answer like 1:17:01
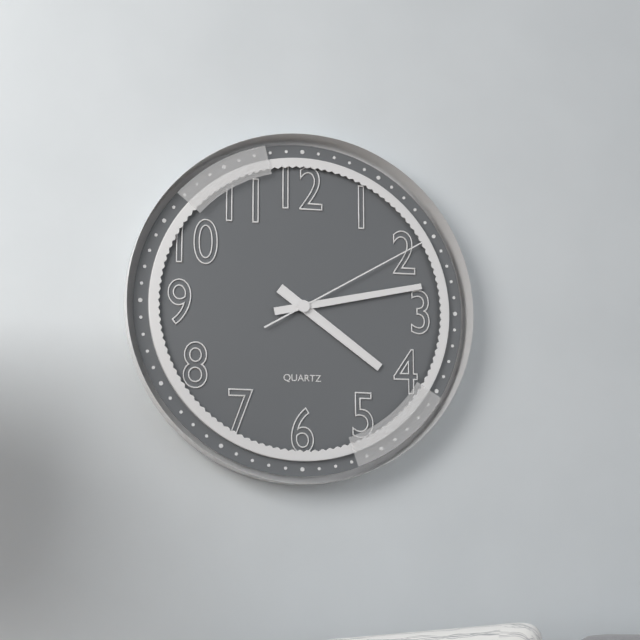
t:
4:13:10
